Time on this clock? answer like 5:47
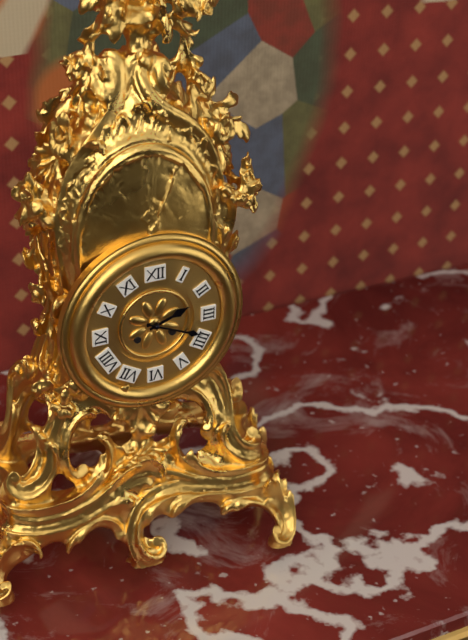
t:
2:19
